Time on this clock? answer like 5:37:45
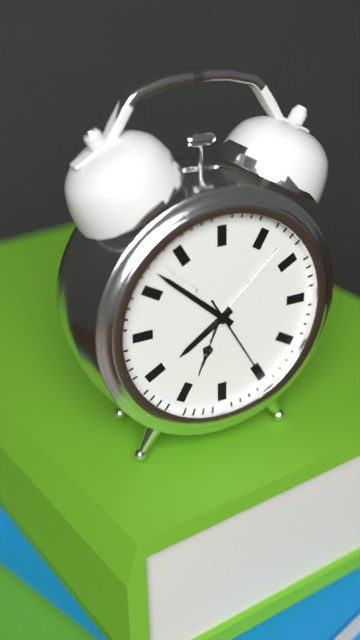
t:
7:52:25
